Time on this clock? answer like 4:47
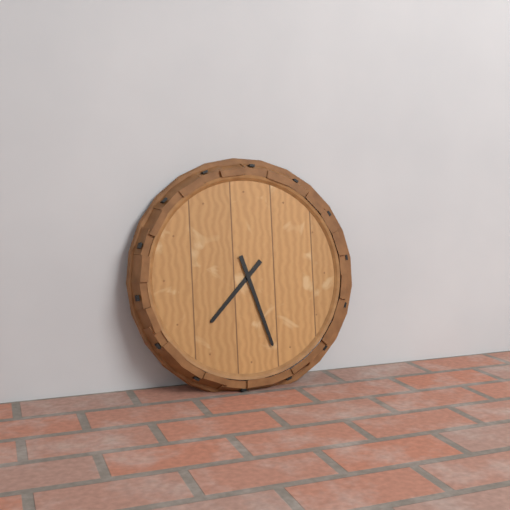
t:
7:27
